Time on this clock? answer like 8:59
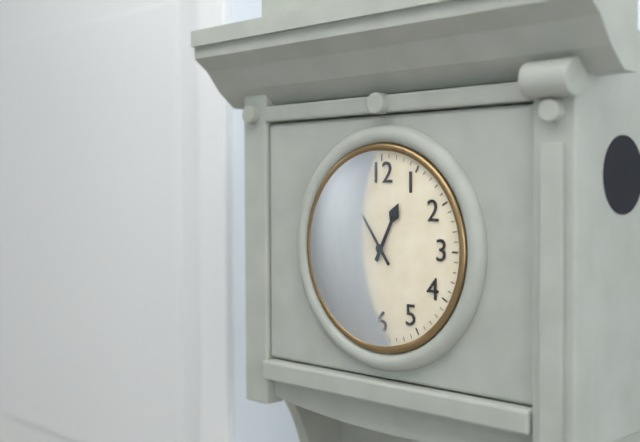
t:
12:54
